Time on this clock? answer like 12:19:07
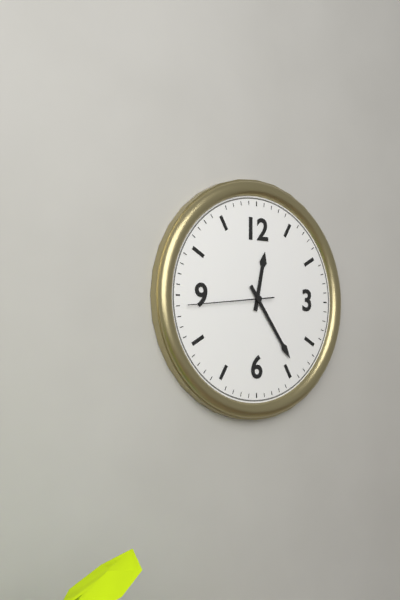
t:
12:24:44
